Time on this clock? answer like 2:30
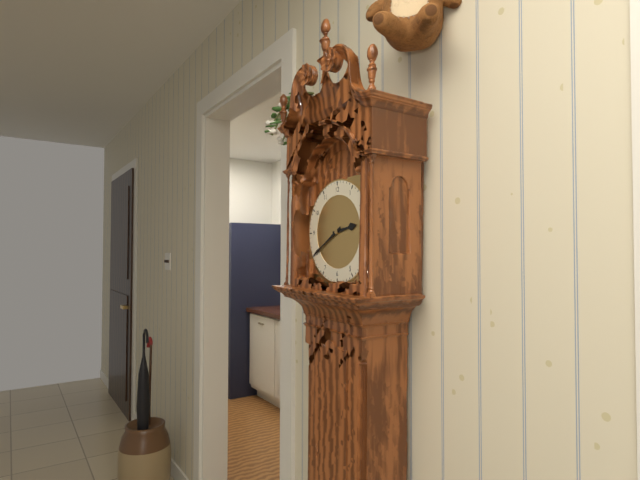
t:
2:40
